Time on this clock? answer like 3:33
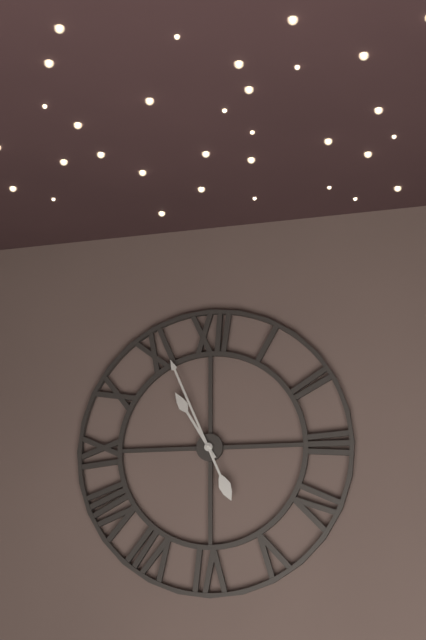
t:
10:56
